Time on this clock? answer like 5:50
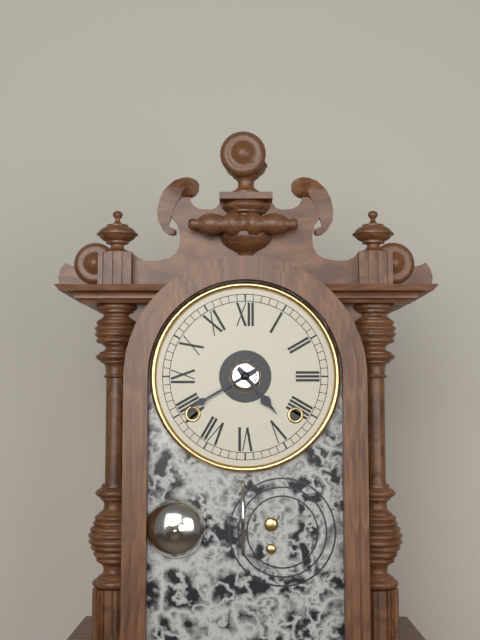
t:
4:40
